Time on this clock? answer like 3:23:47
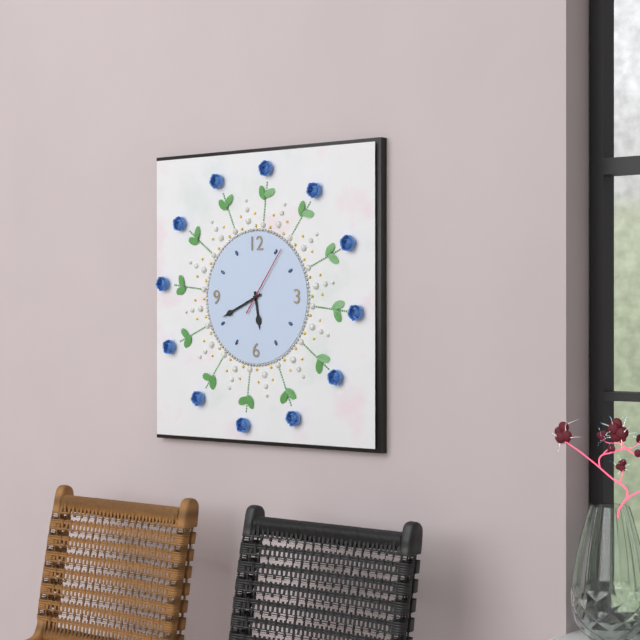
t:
5:41:06
